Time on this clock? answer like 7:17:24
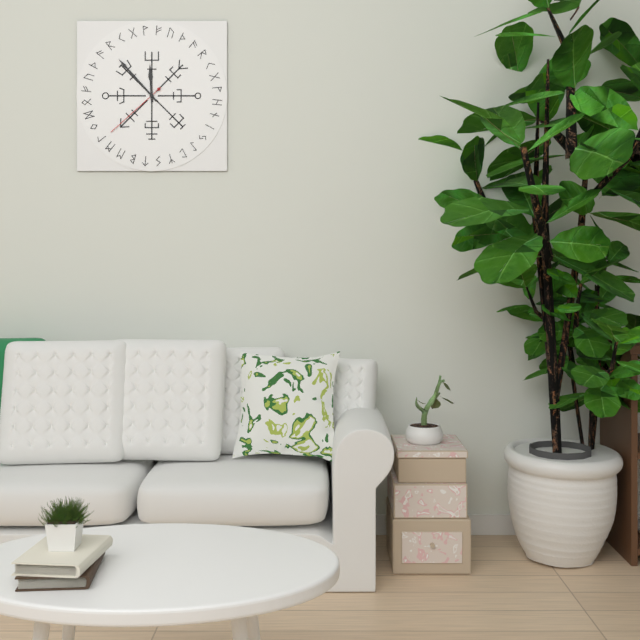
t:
11:53:38
